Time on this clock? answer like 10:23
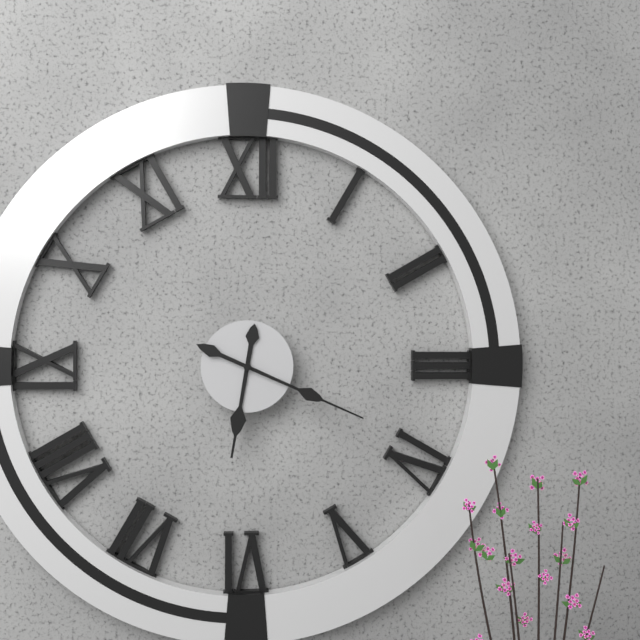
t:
6:19
